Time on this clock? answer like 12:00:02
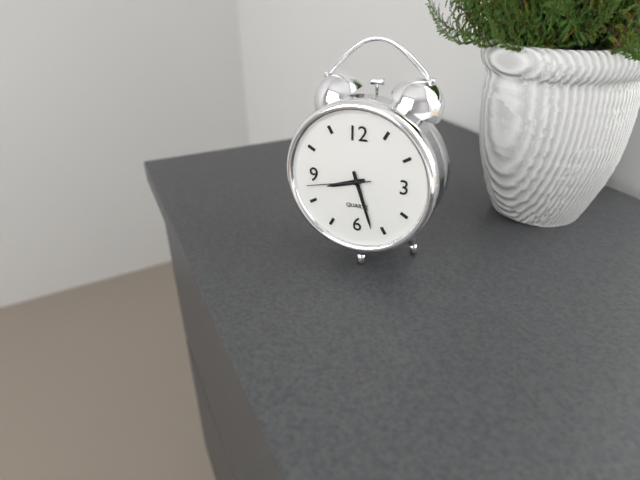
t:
8:27:43
